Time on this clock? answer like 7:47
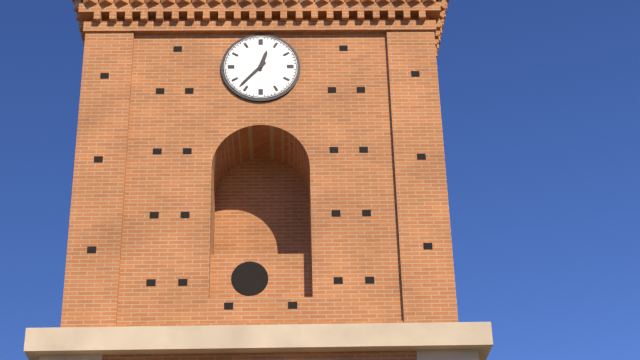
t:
12:37
